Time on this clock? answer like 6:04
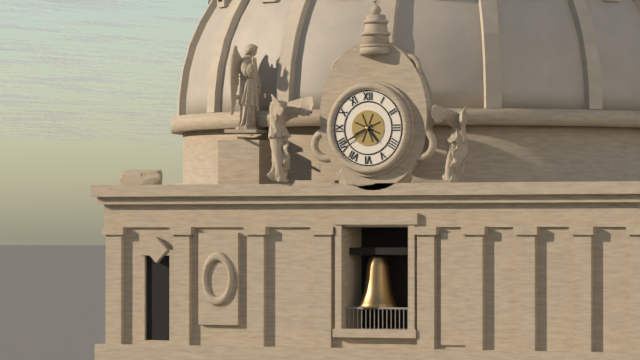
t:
4:40
